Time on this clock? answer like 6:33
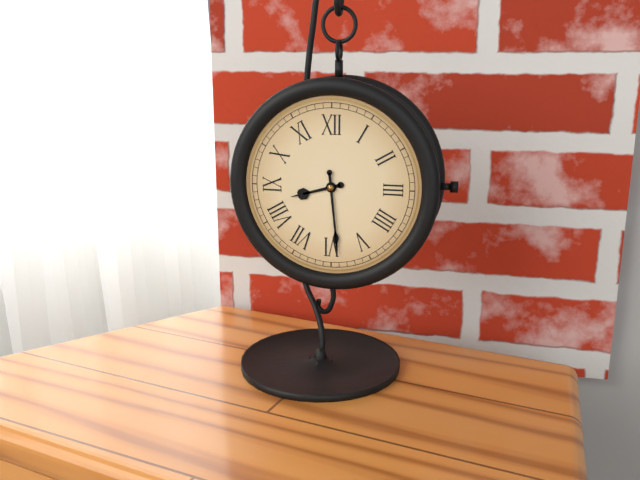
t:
8:29
